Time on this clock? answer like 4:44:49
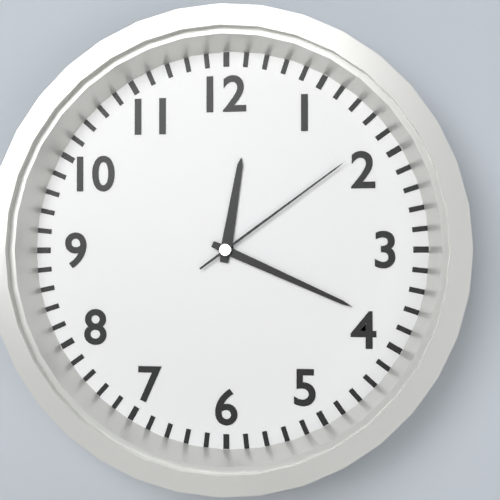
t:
12:19:09
